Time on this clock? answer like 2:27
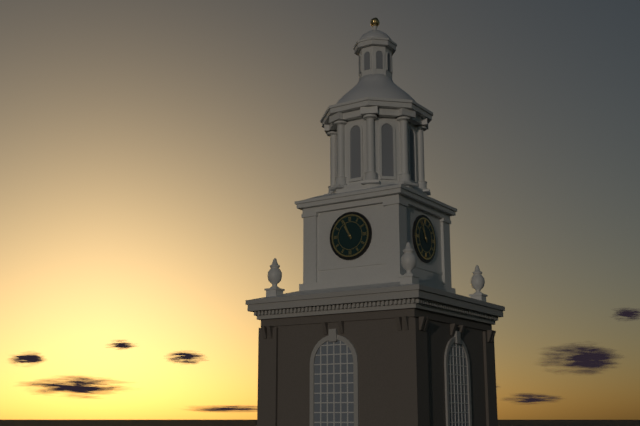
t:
10:56
